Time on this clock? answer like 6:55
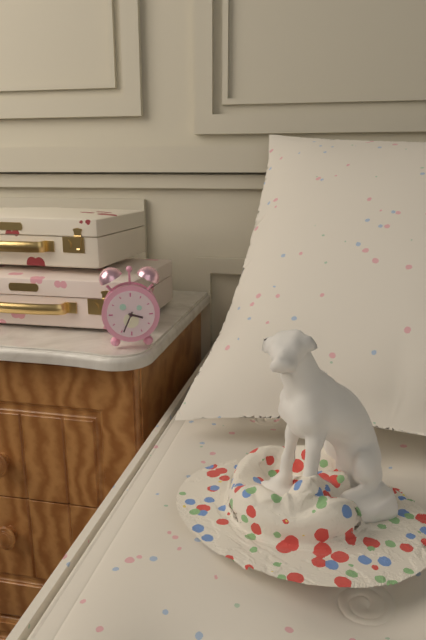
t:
3:34
